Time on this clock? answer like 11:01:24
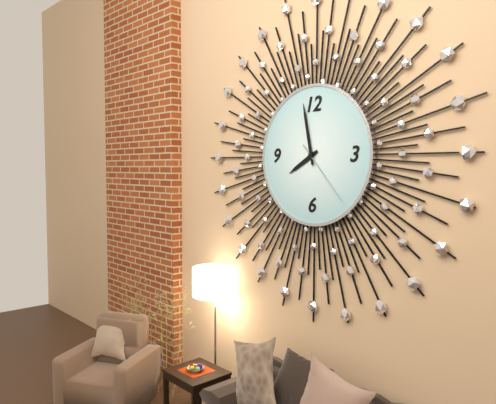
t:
7:58:23
